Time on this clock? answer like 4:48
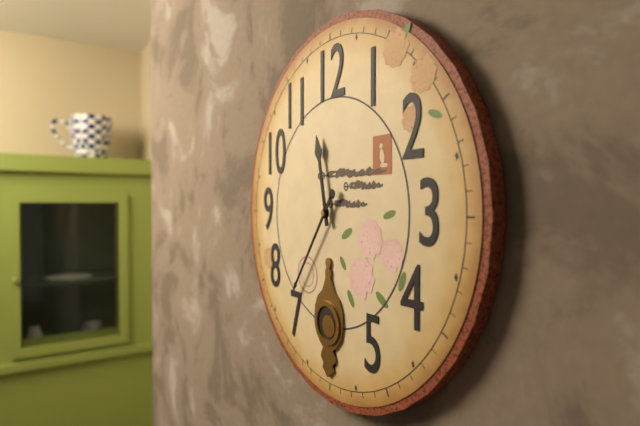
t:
11:36
